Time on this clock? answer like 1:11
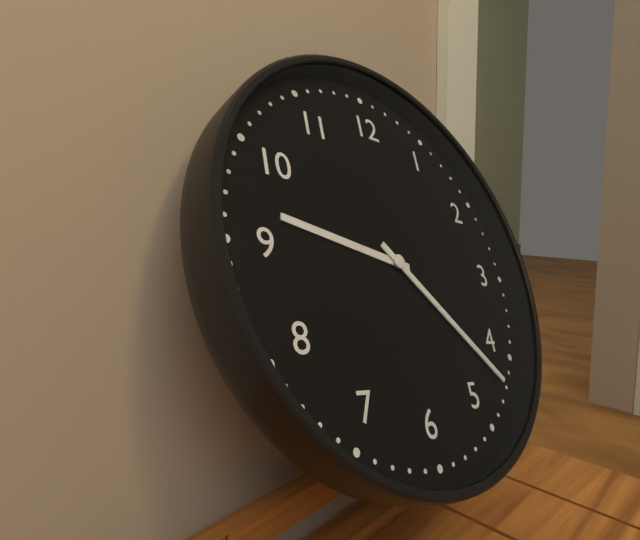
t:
9:22
